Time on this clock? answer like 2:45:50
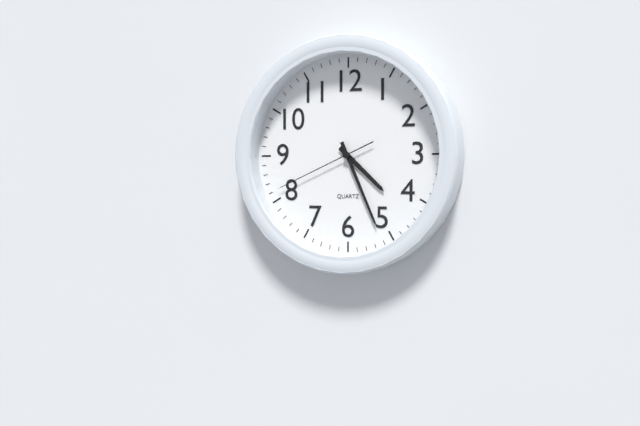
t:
4:26:41
